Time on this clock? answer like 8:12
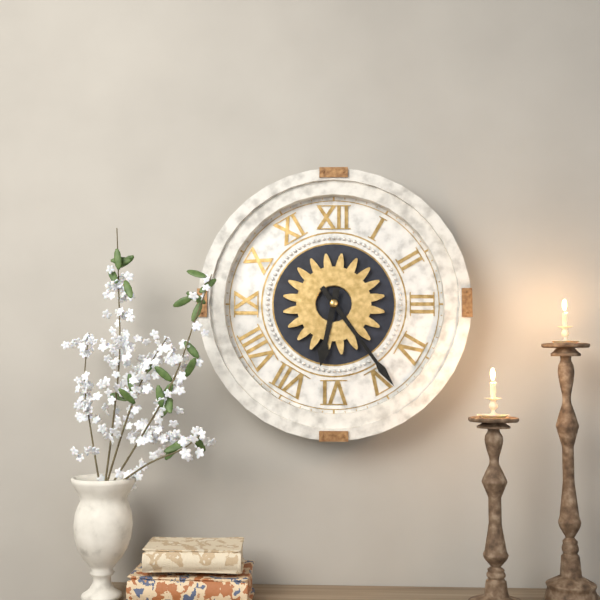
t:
6:24
